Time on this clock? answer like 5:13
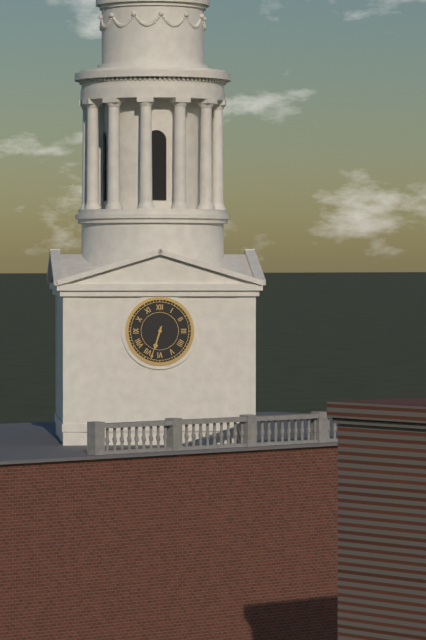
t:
6:33
